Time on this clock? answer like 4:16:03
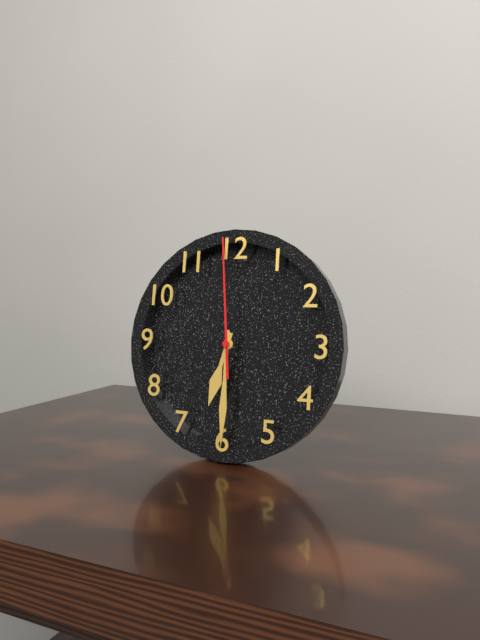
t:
6:30:59
